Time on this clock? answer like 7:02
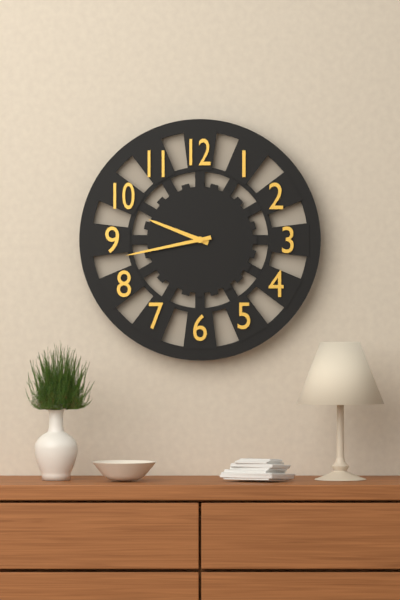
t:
9:43
